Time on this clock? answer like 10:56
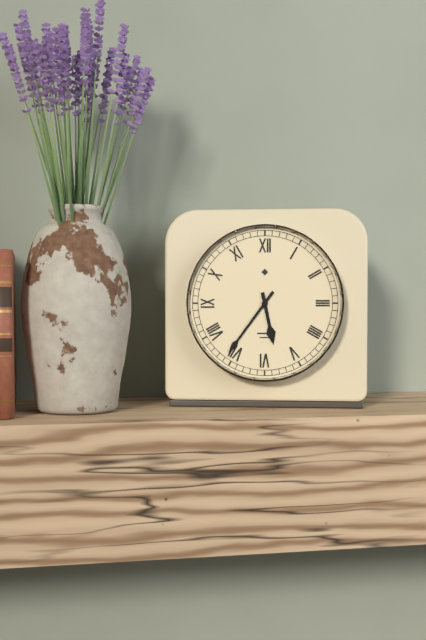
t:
5:36
